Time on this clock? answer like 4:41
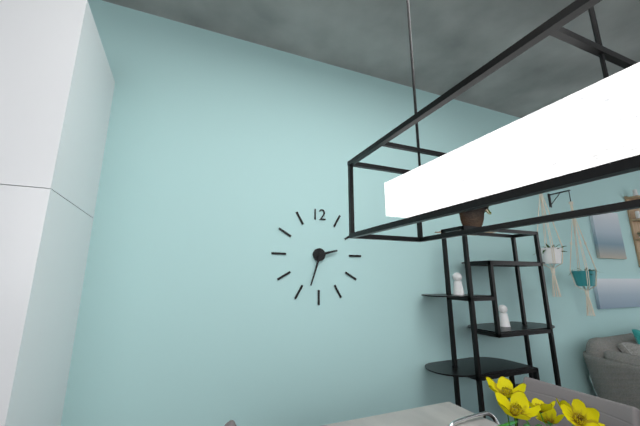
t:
2:33
